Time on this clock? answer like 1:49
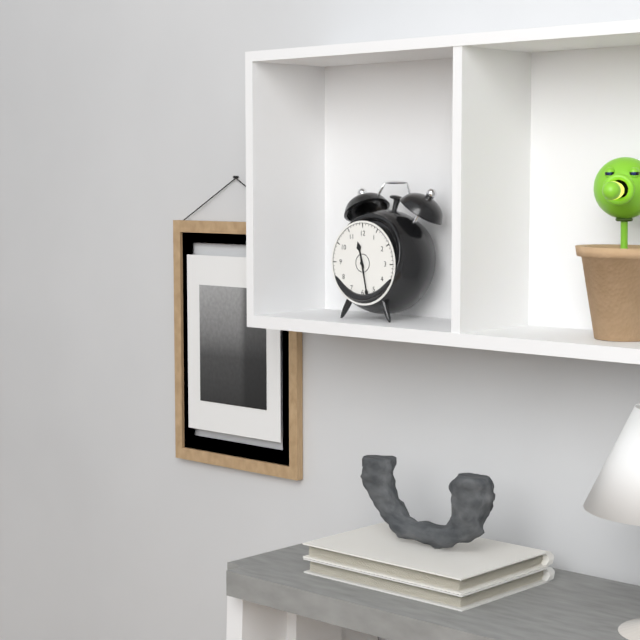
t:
11:28
